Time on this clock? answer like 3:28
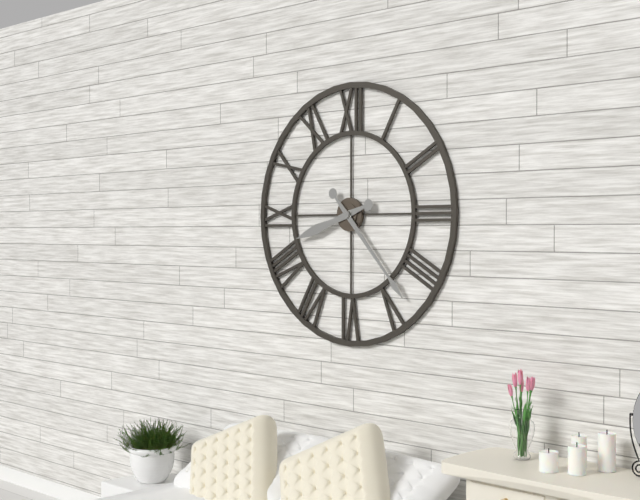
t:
8:23
